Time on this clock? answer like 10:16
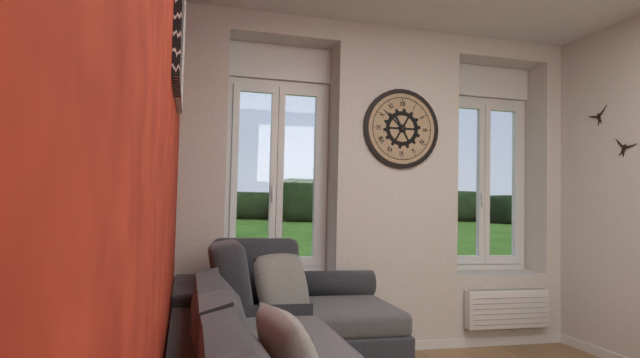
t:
10:52
